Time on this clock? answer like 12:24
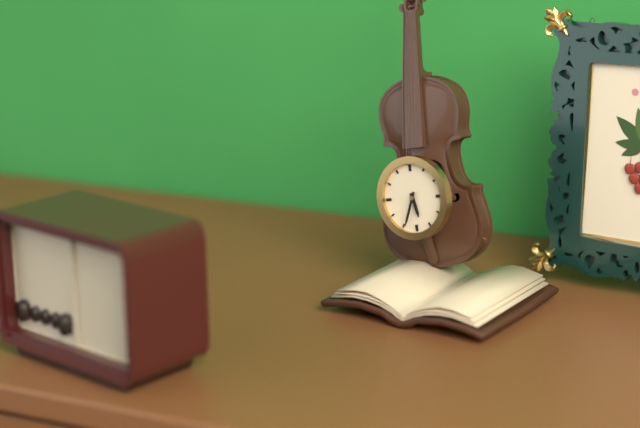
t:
5:34
